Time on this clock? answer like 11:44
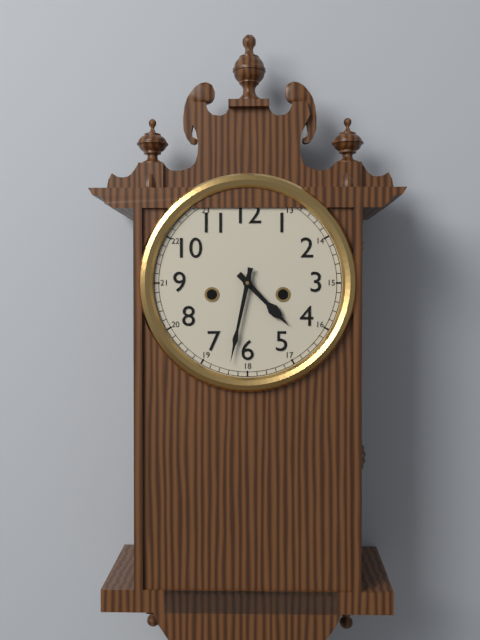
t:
4:32
